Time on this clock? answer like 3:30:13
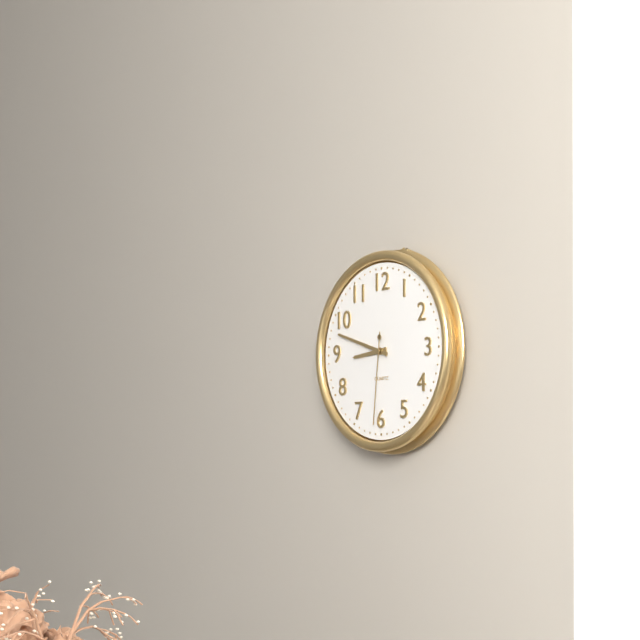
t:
8:48:31
